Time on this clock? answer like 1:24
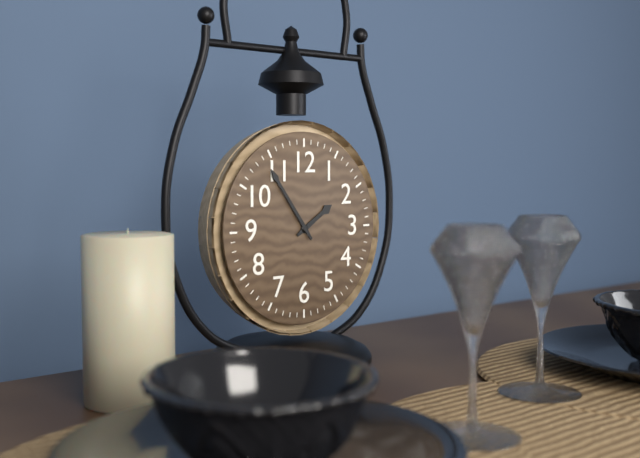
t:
1:54
